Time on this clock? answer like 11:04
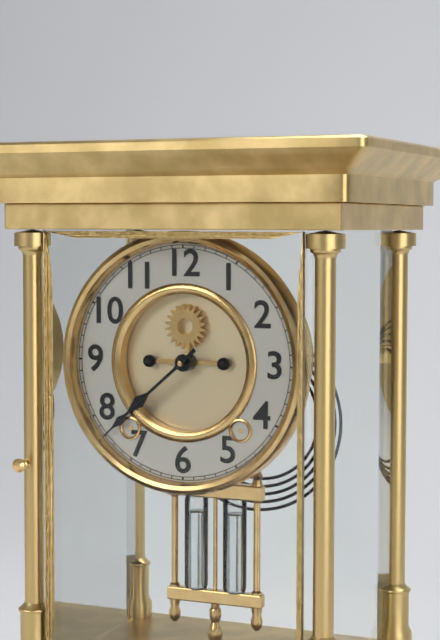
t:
7:38
